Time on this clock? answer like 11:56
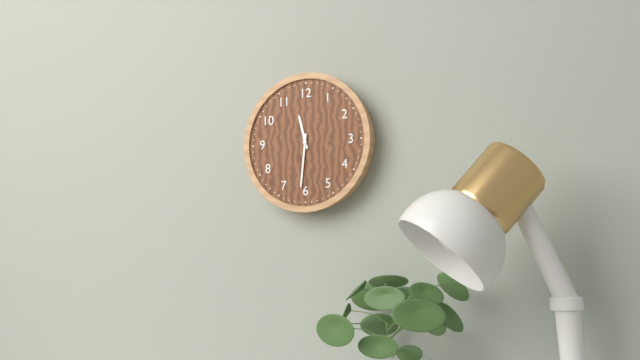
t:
11:31
